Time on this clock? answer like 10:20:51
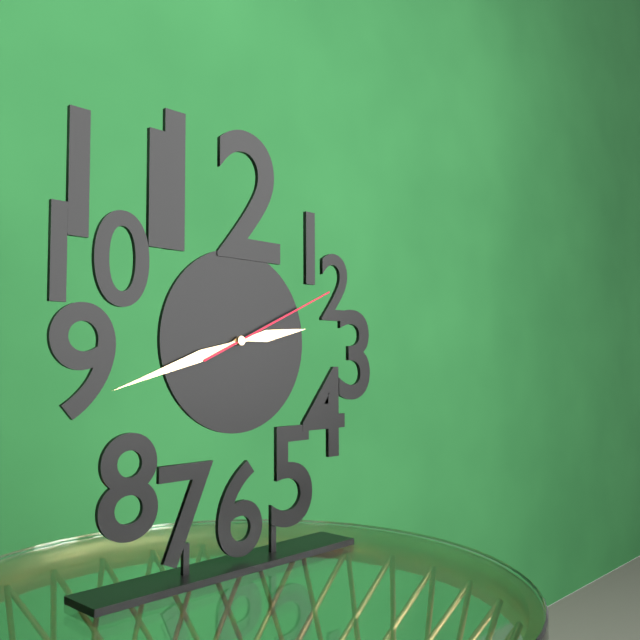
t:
2:42:11
